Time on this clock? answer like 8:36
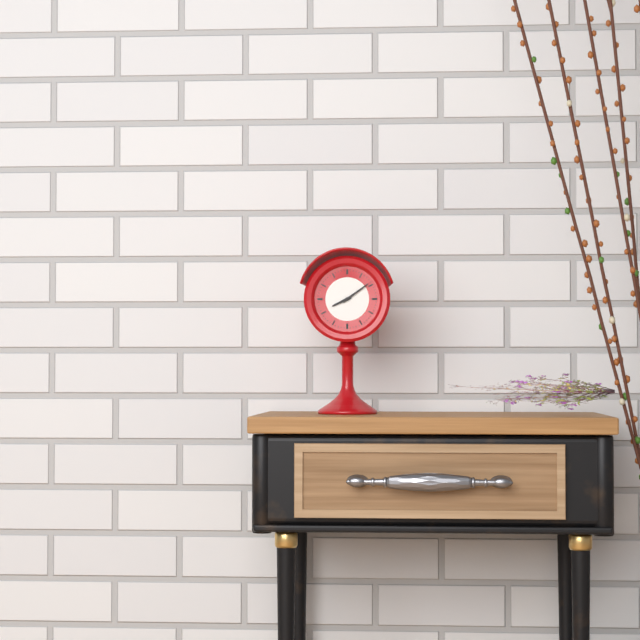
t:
8:09
